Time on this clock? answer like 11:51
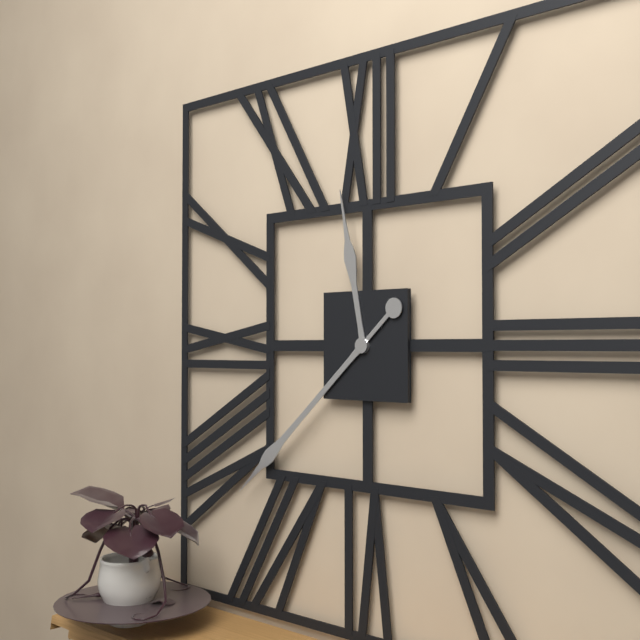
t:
11:38
